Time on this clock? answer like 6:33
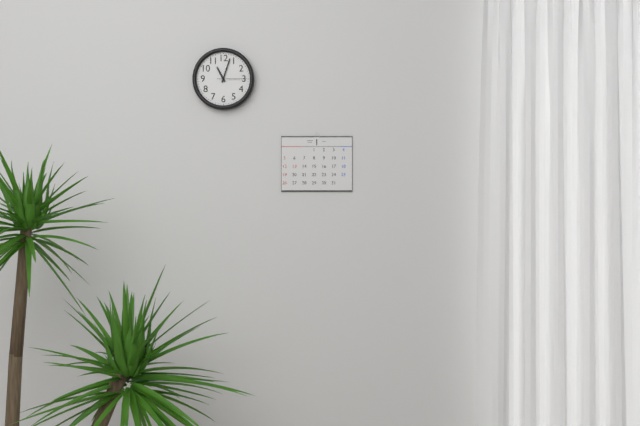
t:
11:03
